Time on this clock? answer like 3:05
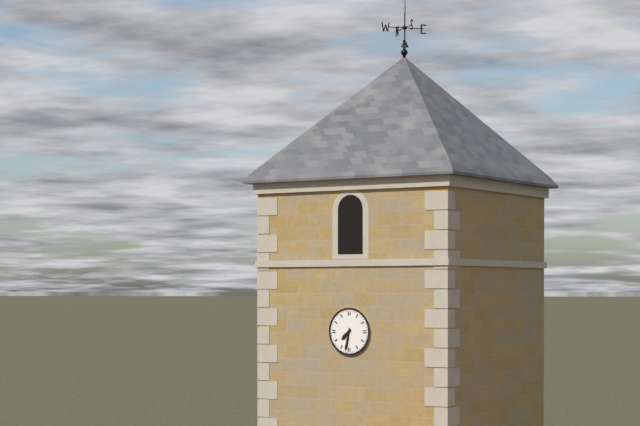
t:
7:32
